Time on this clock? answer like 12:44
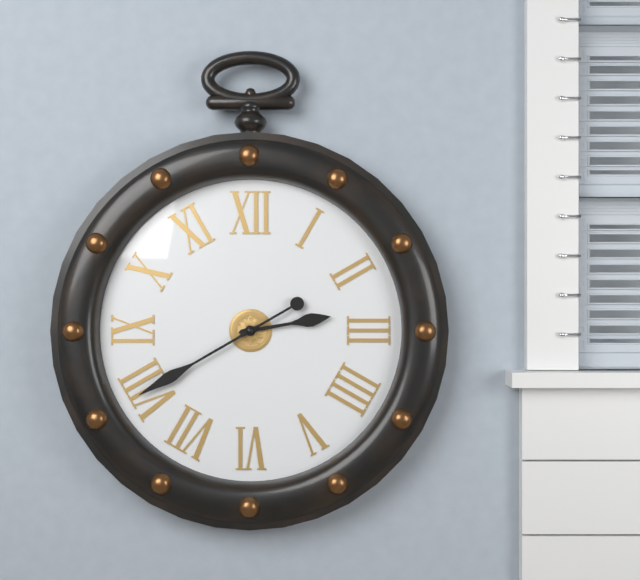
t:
2:40
